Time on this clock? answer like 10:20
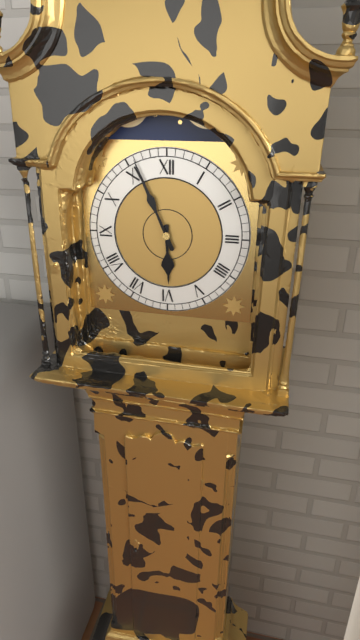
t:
5:56
